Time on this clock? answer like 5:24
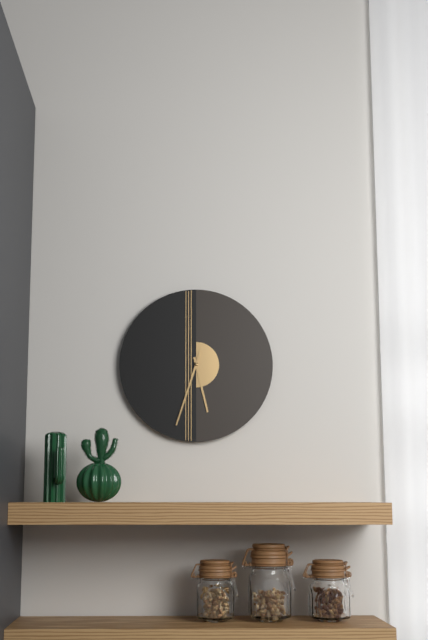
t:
5:33
